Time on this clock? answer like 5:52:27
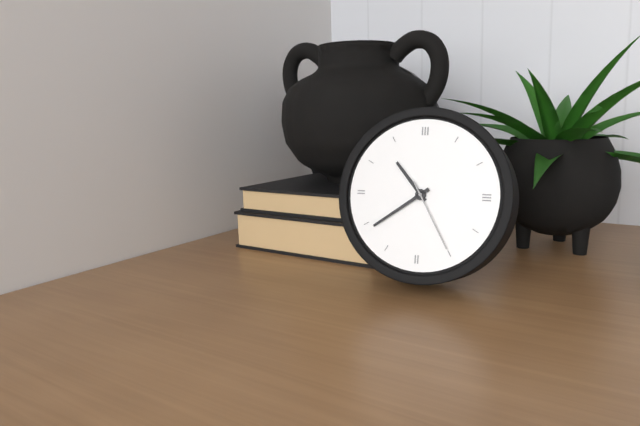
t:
10:39:25
